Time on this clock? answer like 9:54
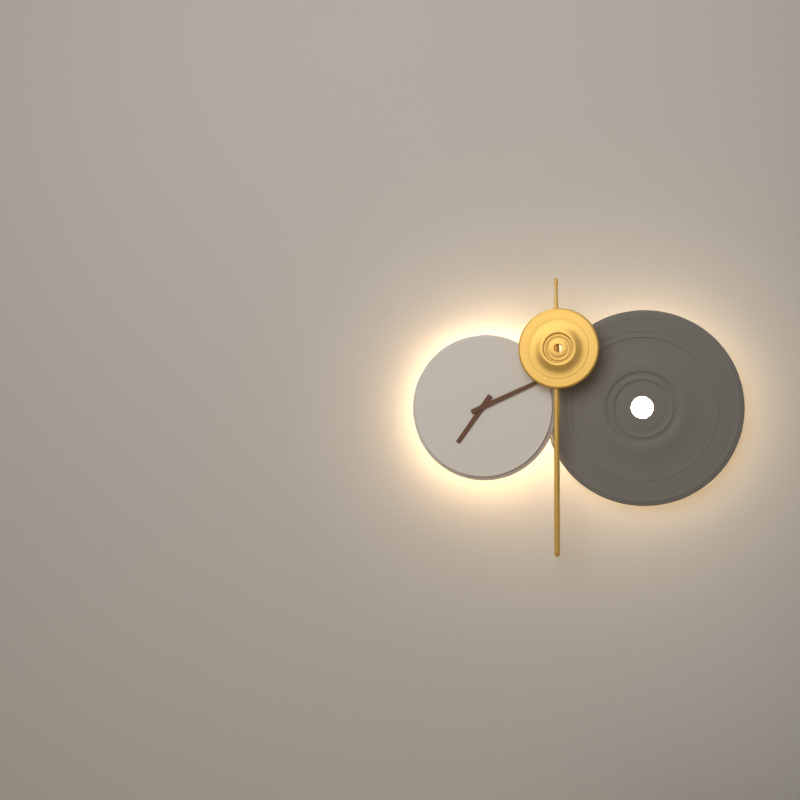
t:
7:11
